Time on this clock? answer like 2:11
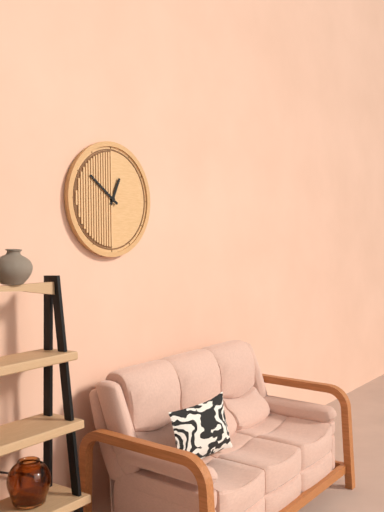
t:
12:51
